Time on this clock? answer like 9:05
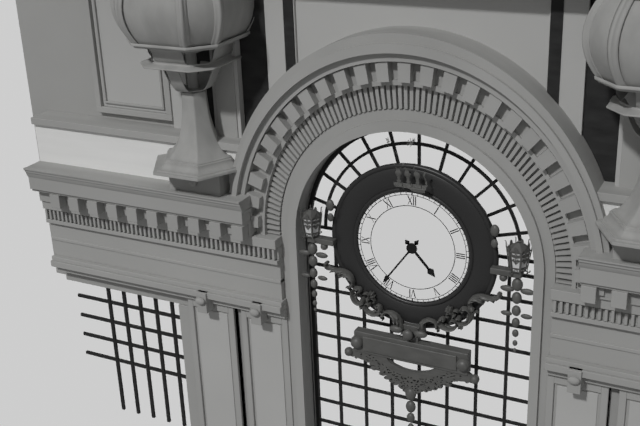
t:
4:36
